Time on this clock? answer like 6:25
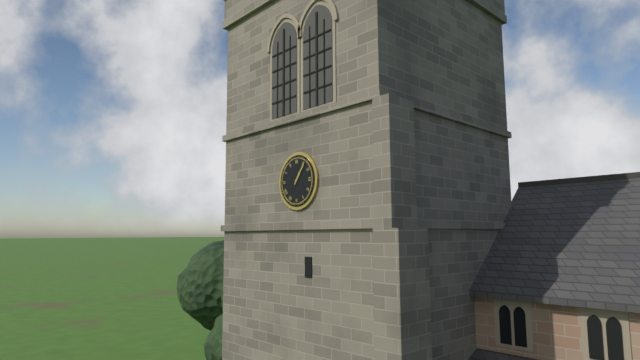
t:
1:06
